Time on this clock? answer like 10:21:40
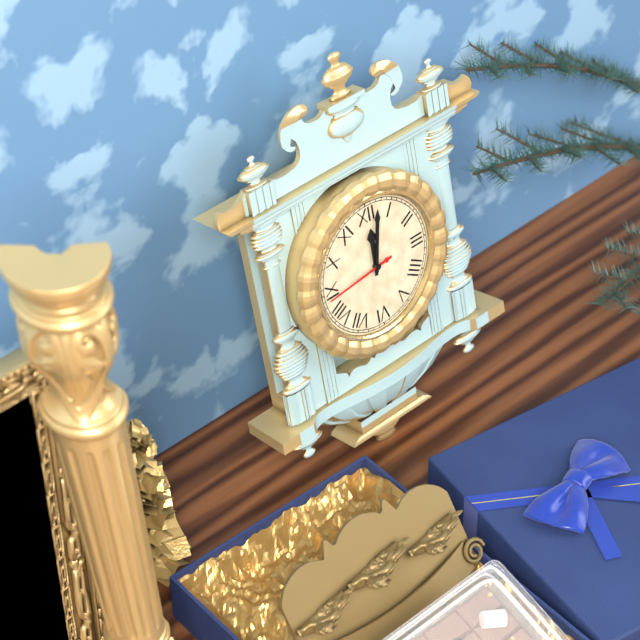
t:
12:02:44
